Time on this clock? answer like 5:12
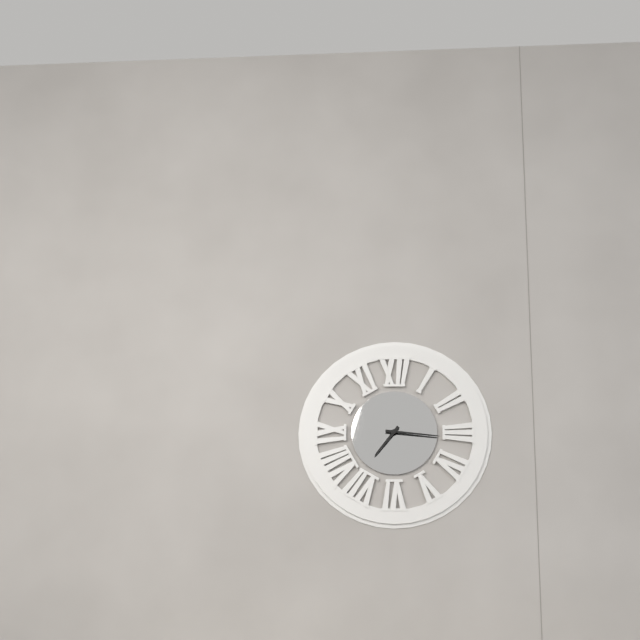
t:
7:16
